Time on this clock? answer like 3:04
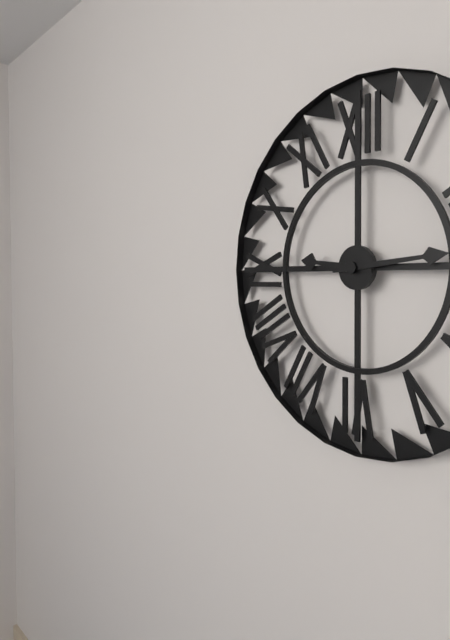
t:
9:14
